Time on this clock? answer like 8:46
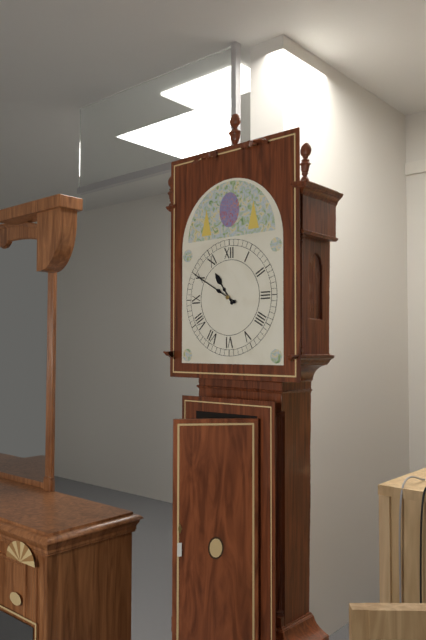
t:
10:50
